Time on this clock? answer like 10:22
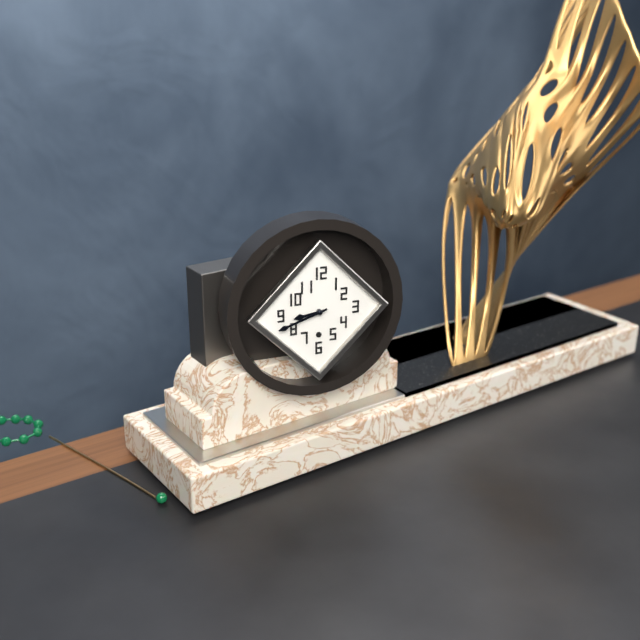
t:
8:42
